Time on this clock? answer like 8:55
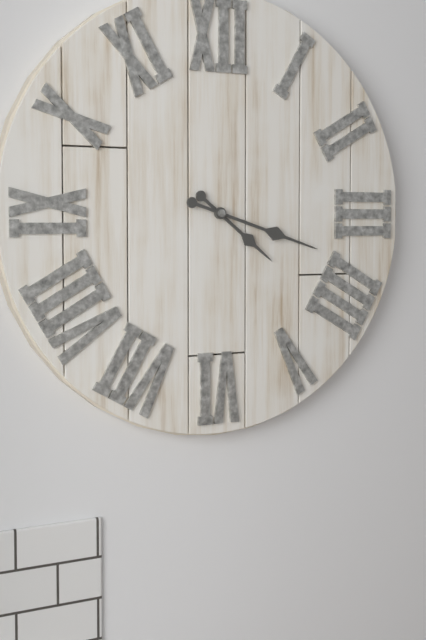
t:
4:18
